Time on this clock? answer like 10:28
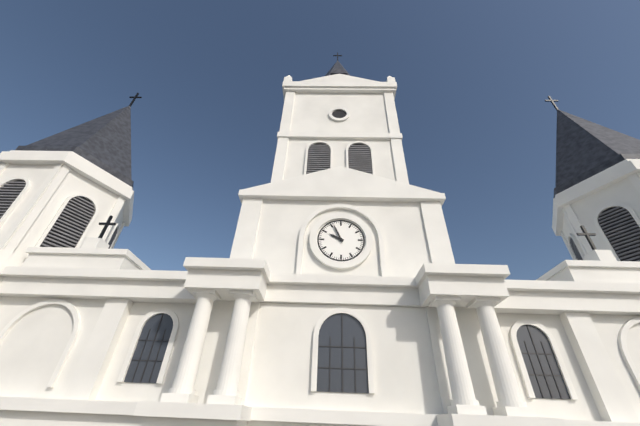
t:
9:56
